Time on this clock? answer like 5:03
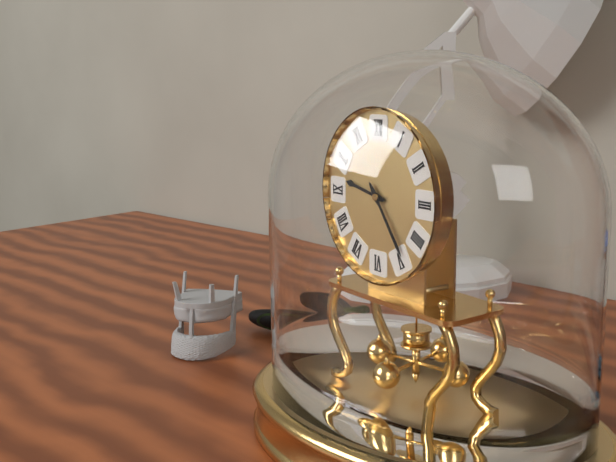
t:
9:24
